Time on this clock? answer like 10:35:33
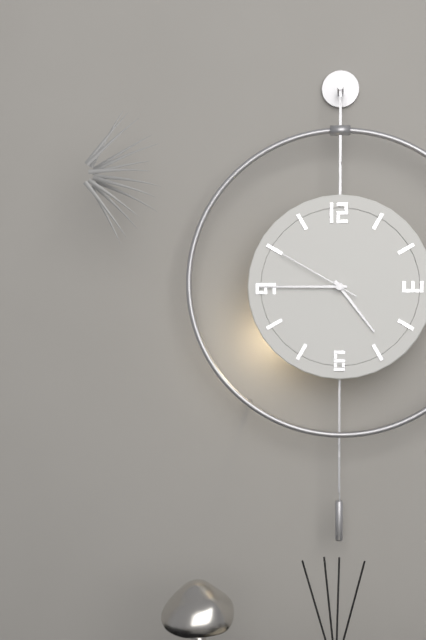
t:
4:45:50
